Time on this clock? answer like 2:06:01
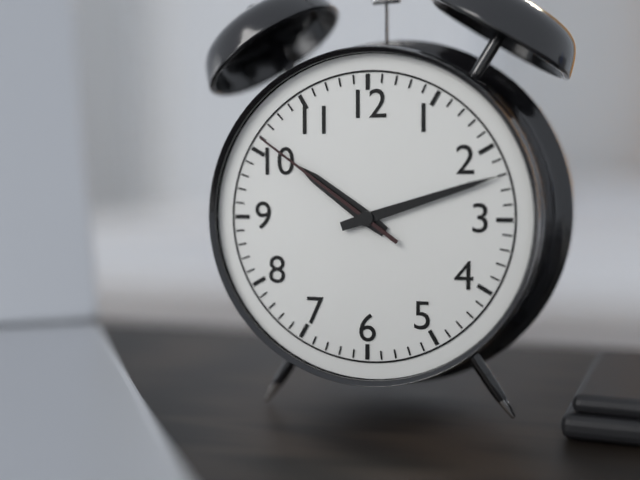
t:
10:12:51
